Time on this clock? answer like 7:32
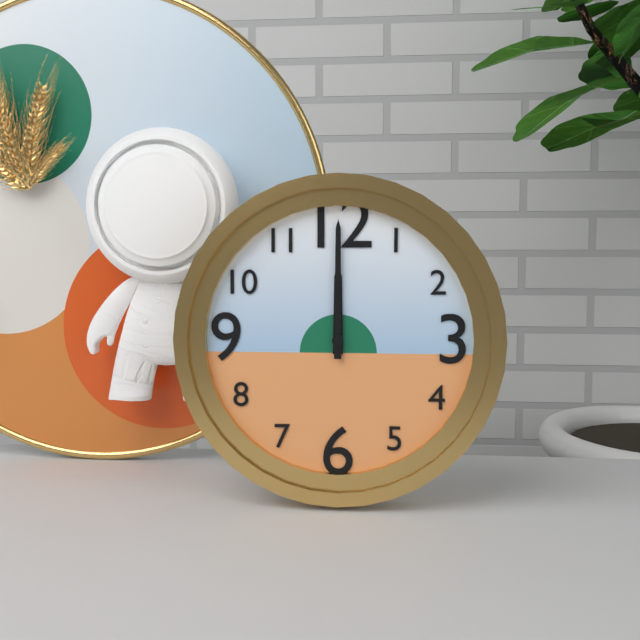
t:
12:00
